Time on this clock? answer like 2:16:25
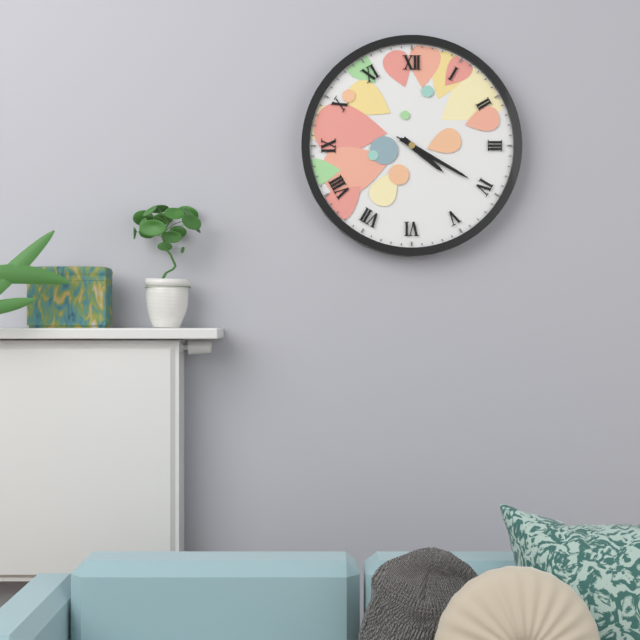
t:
4:20:20
